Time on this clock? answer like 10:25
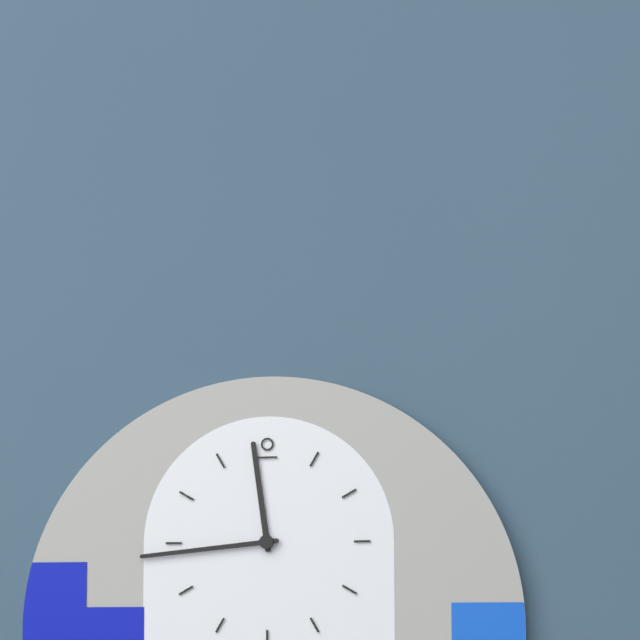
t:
11:44
